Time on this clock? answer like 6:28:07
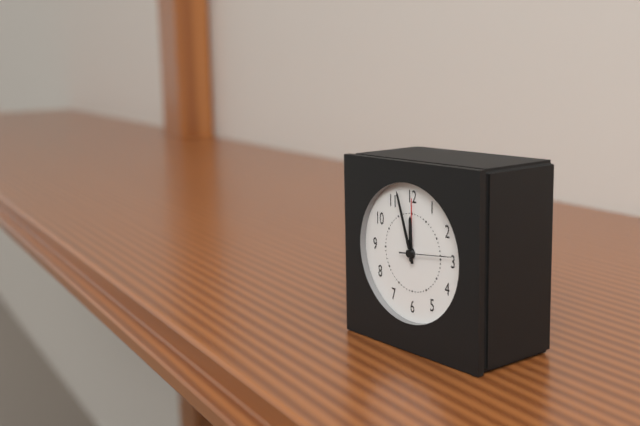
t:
11:57:14
